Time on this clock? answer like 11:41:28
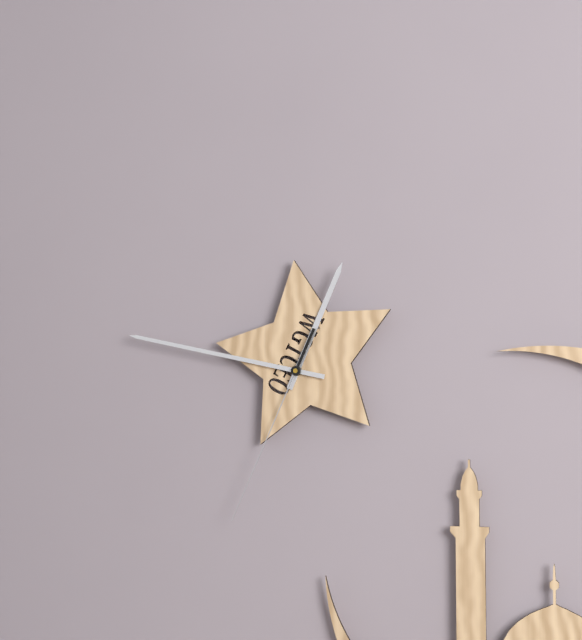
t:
12:47:34
